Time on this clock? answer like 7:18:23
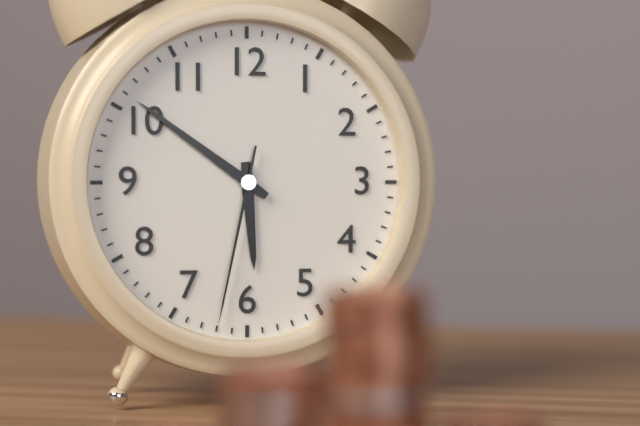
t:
5:51:32
